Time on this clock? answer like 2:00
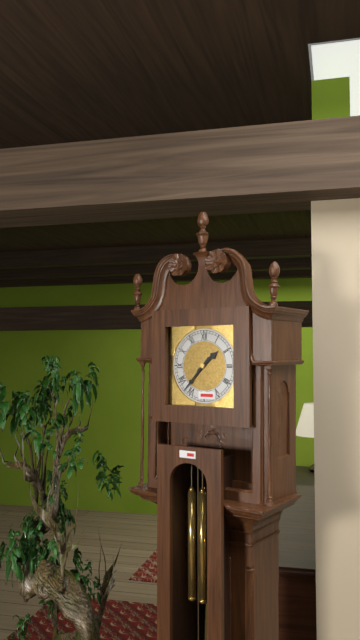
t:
1:37
